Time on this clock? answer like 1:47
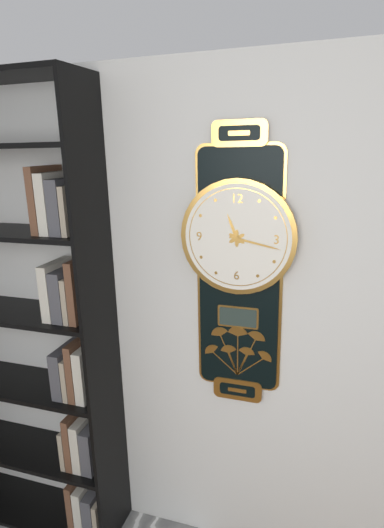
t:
11:17
